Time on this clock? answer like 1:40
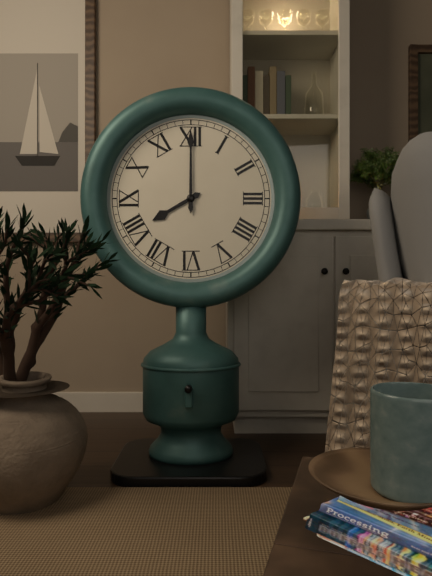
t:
8:00
